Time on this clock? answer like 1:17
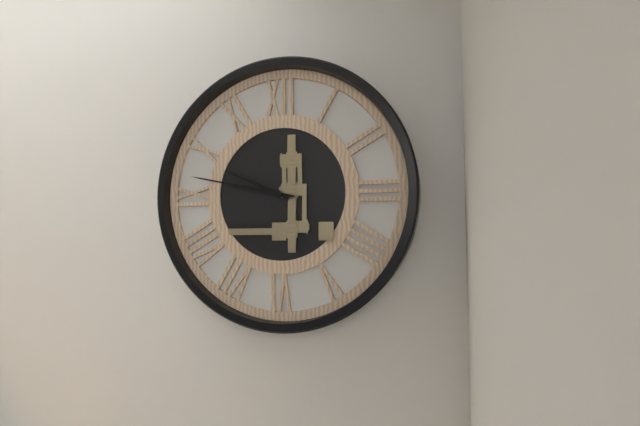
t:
9:47
